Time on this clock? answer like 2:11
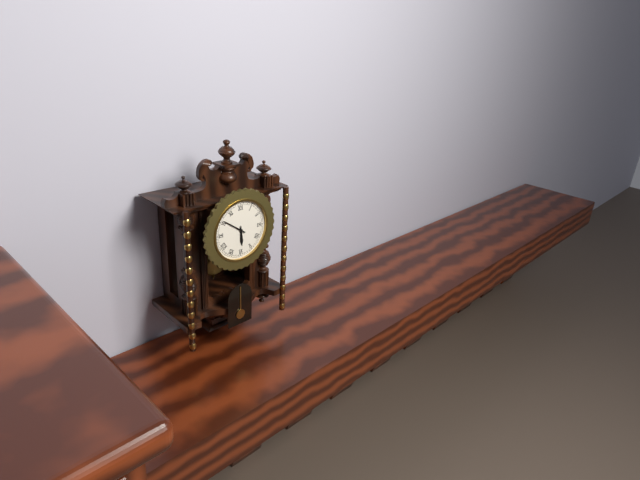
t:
5:51
